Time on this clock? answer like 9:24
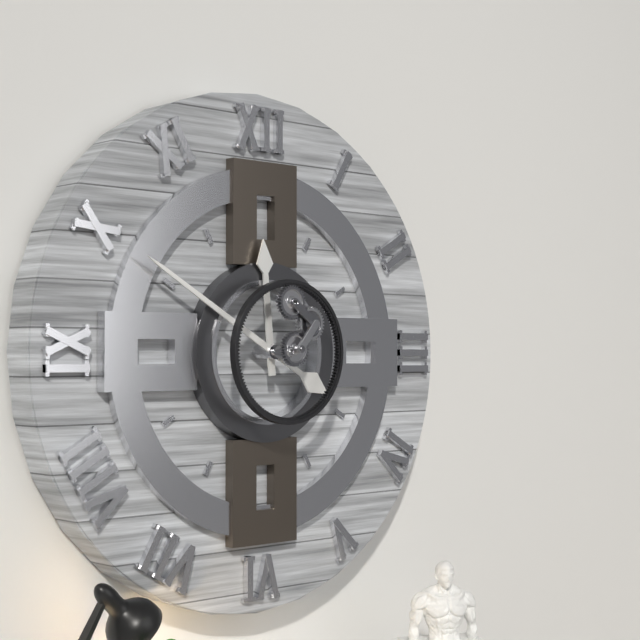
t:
11:50
